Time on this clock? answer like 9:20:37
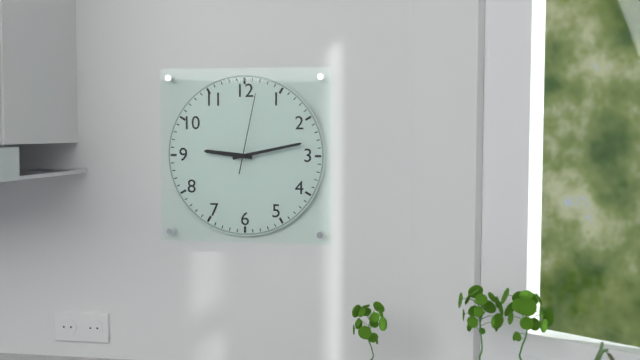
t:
9:13:02
